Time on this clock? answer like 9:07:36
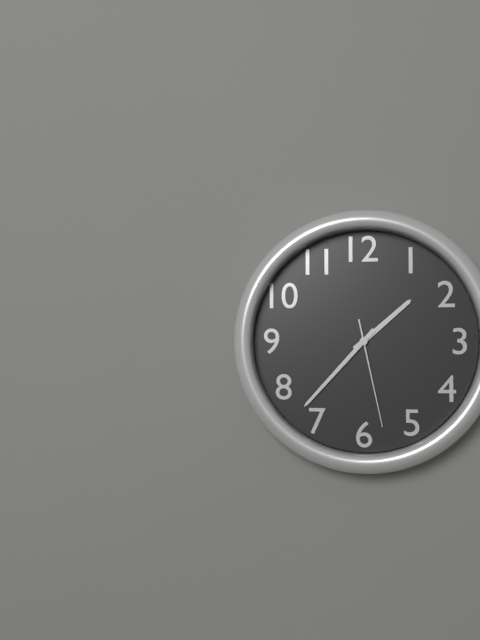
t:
1:37:28
